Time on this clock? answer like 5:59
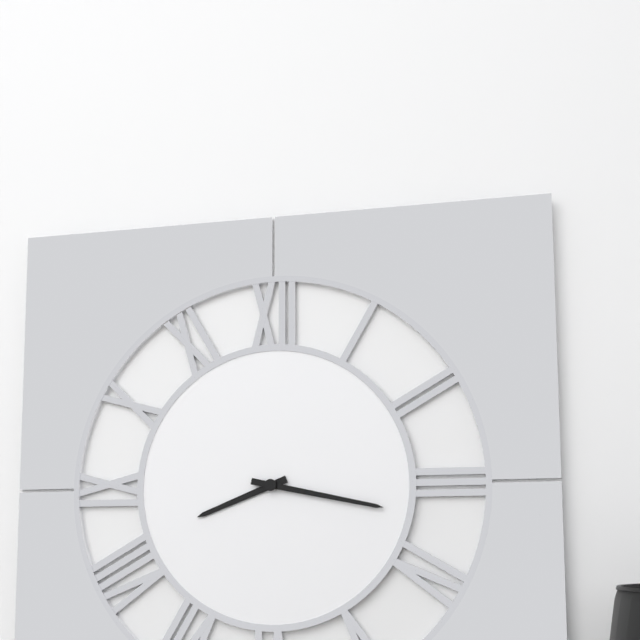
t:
8:17
